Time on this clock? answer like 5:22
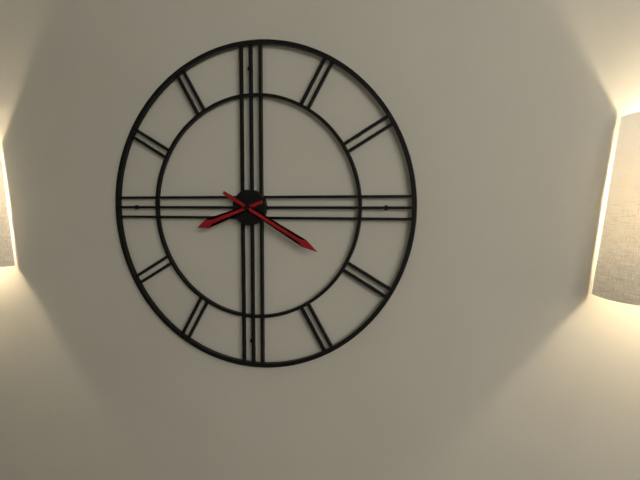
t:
8:20
